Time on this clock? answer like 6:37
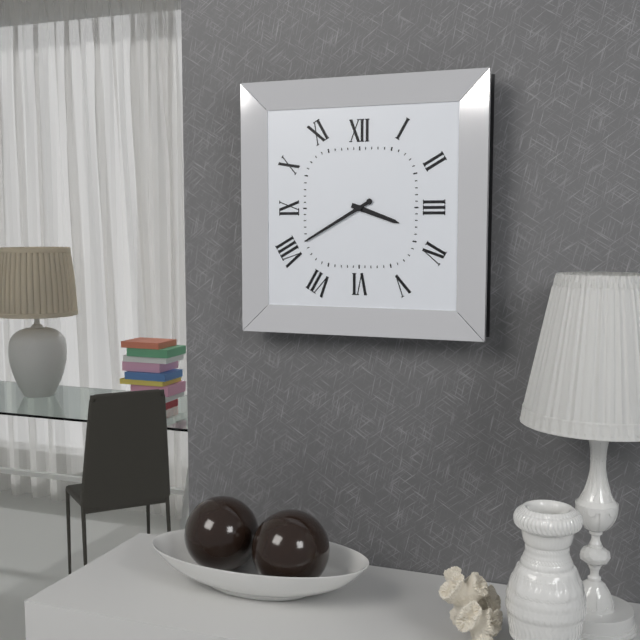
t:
3:40
